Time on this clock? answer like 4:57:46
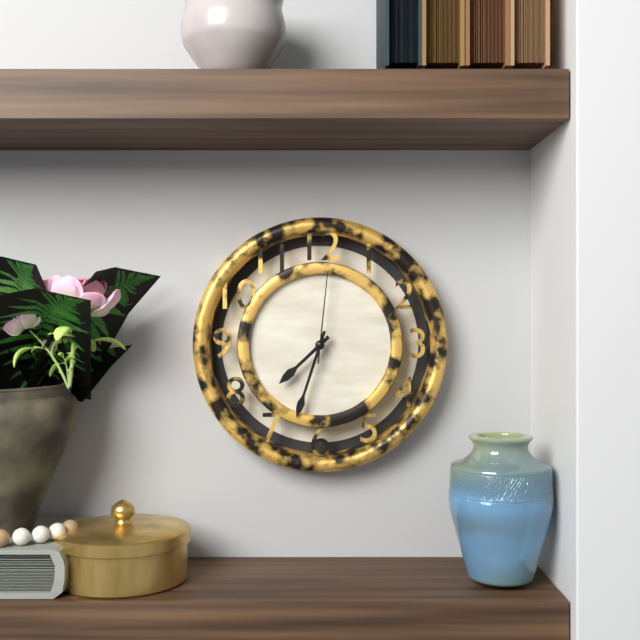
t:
7:33:01
